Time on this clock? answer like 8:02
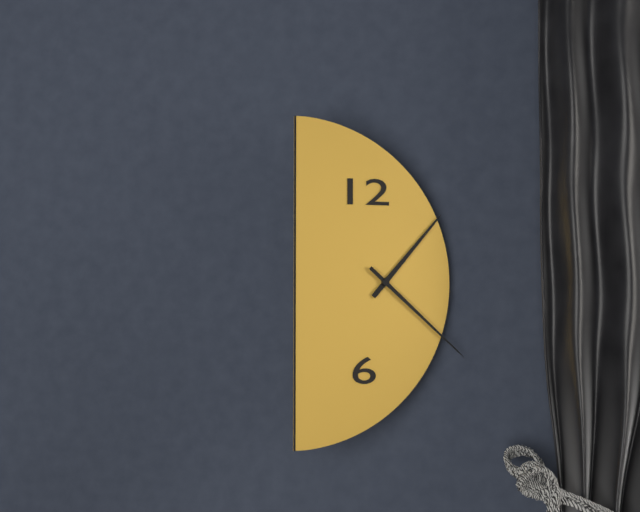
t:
1:22
